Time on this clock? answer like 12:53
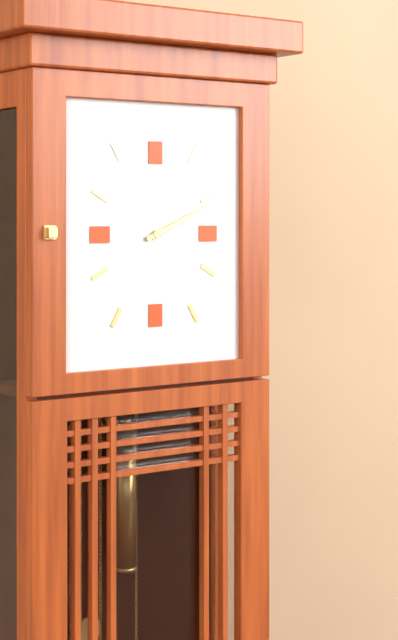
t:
2:11
